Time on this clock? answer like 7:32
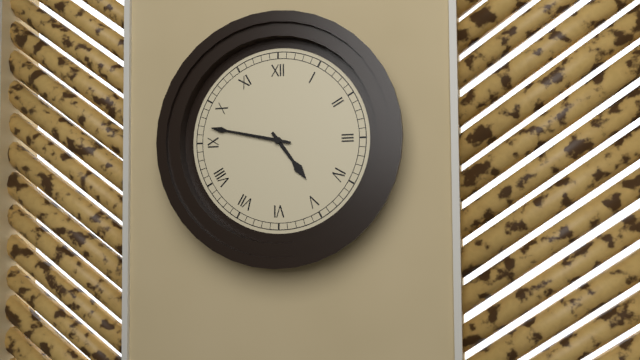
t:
4:47
